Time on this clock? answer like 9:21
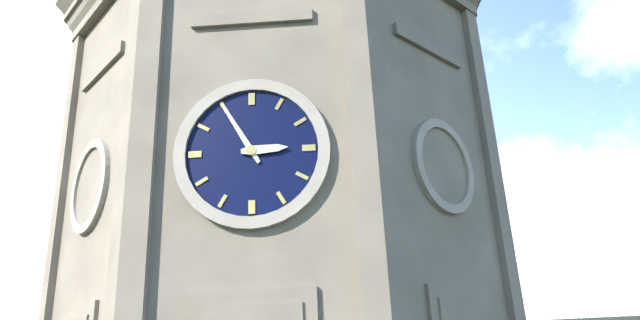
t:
2:55
